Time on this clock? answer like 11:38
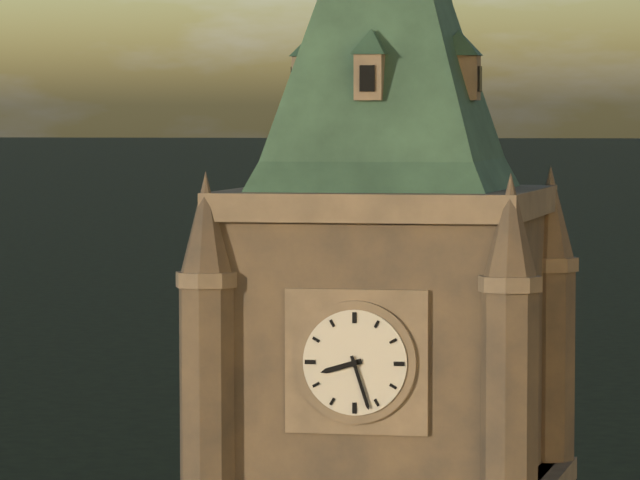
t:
8:27
